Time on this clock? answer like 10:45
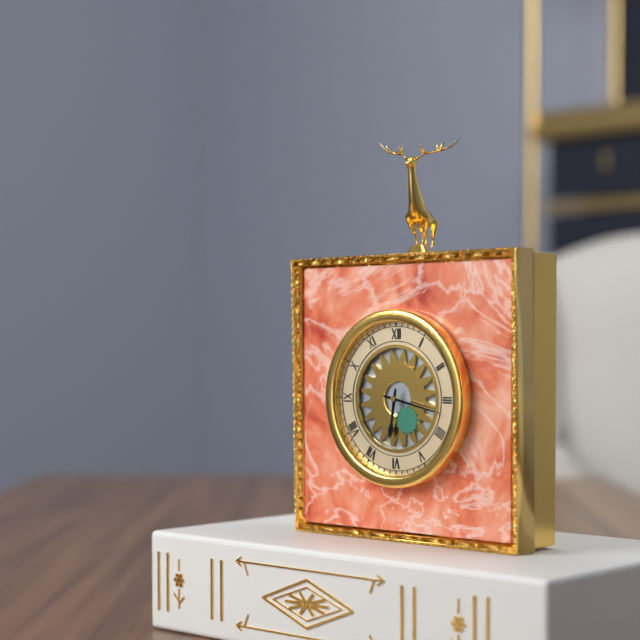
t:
6:17
